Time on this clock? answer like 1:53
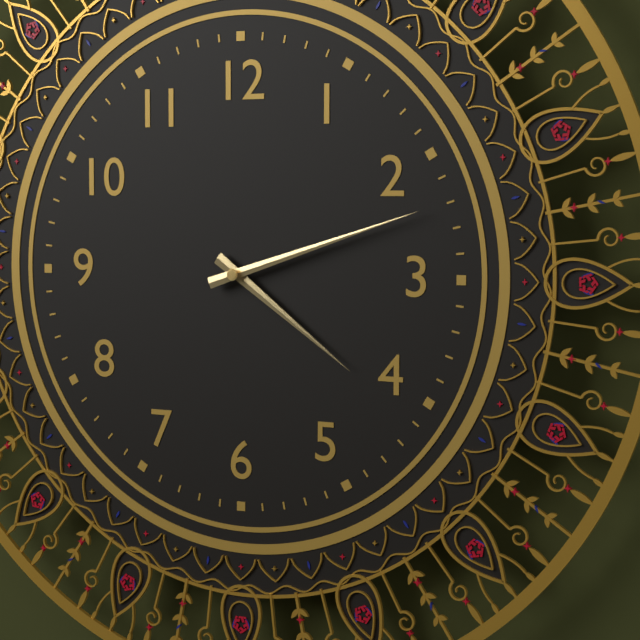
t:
4:12
